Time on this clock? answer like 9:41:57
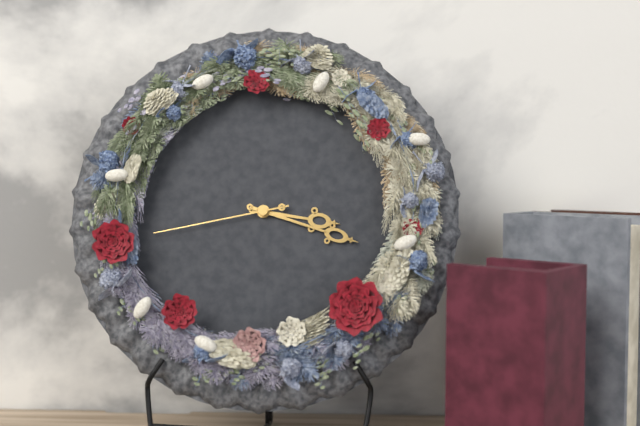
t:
3:18:43
